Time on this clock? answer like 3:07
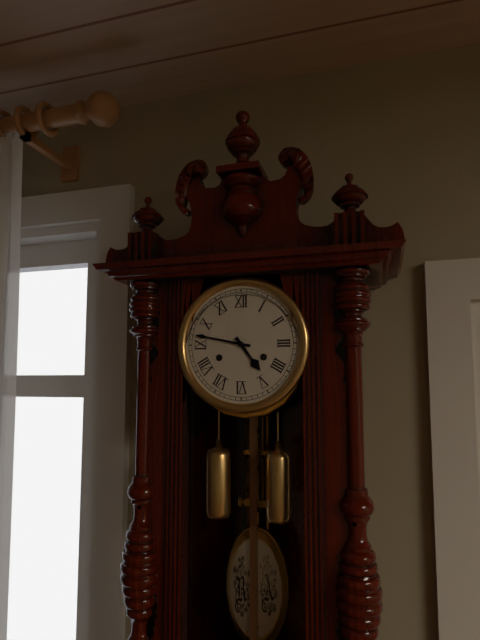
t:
4:47
